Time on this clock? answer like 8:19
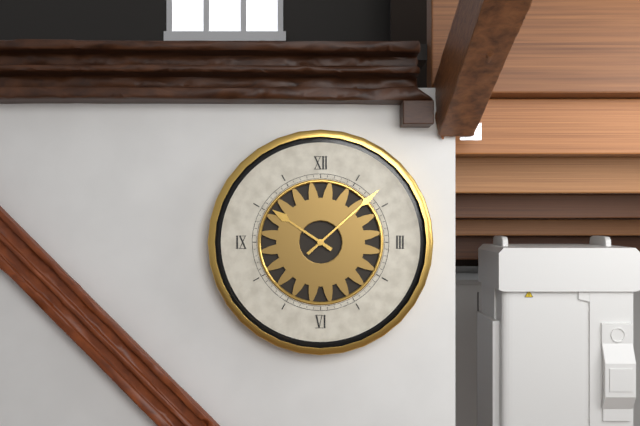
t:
10:08
